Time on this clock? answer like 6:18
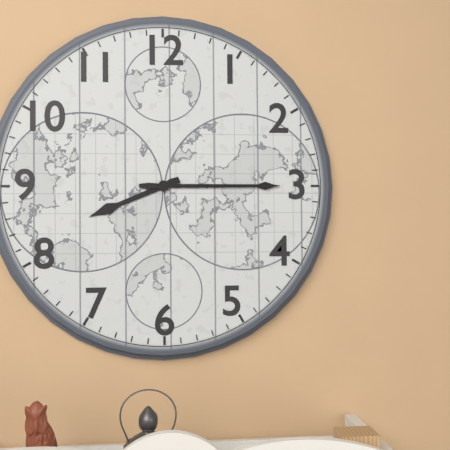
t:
8:15
